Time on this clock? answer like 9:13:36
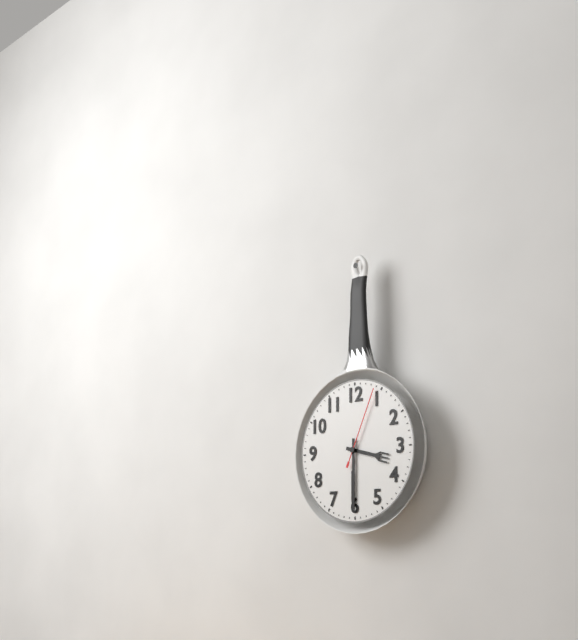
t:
3:30:04
